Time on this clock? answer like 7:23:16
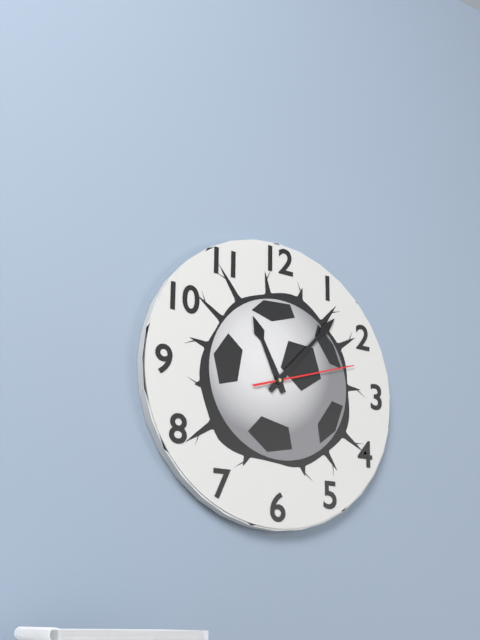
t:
11:07:12
